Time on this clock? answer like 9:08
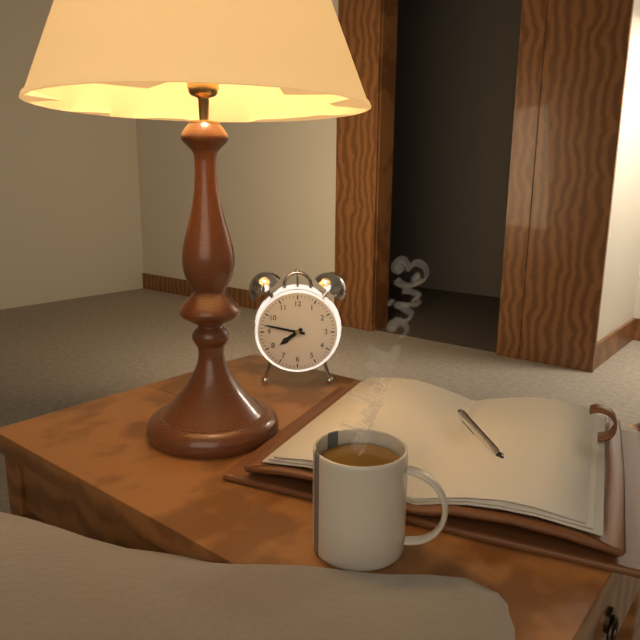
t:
7:47
